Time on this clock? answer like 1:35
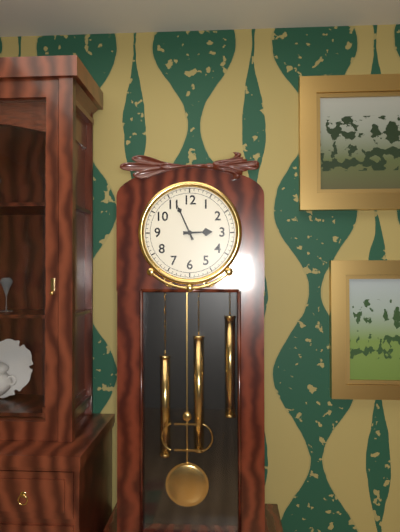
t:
2:56
